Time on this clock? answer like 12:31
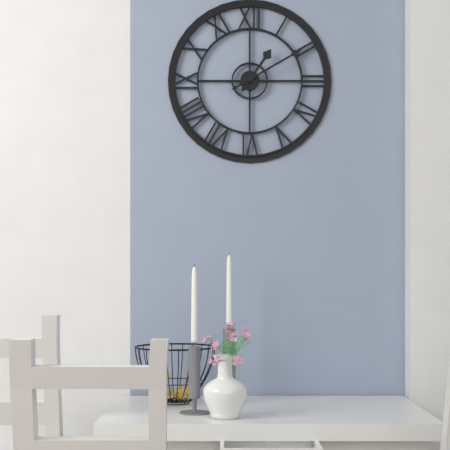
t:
1:10
